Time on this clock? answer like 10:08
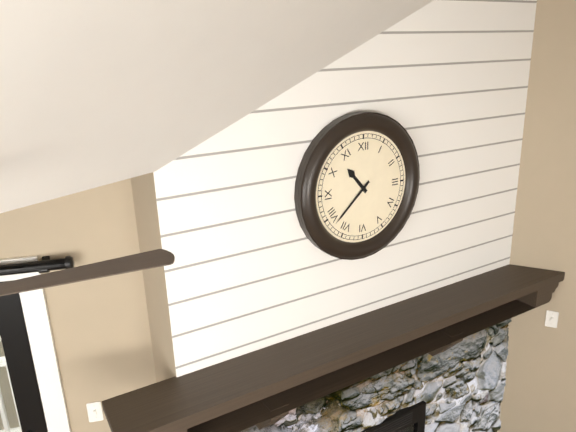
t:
10:38
